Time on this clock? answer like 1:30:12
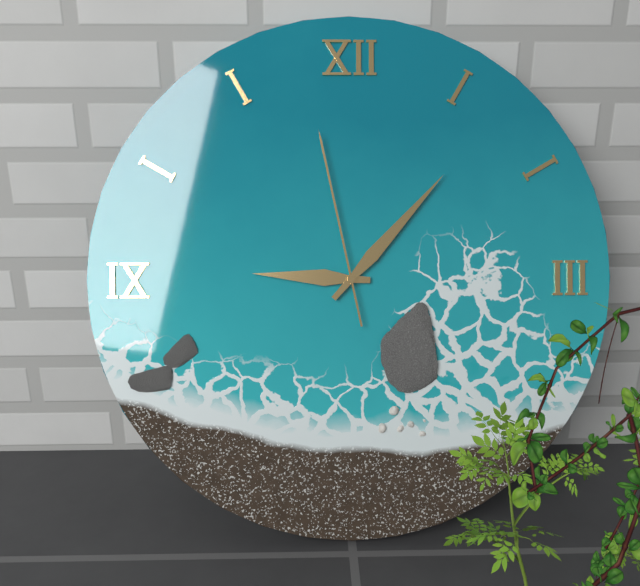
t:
9:07:58
